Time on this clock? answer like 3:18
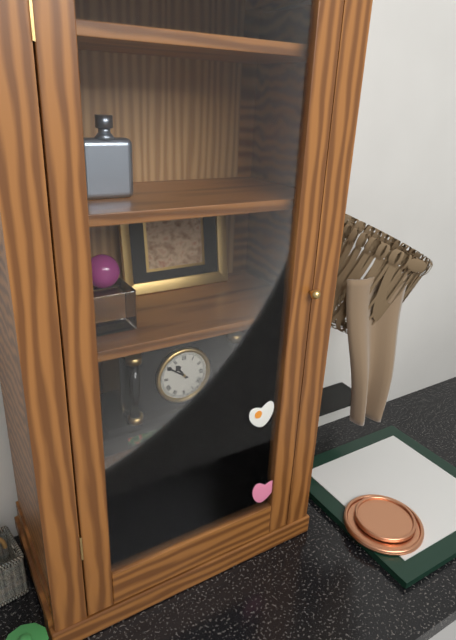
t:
10:51
